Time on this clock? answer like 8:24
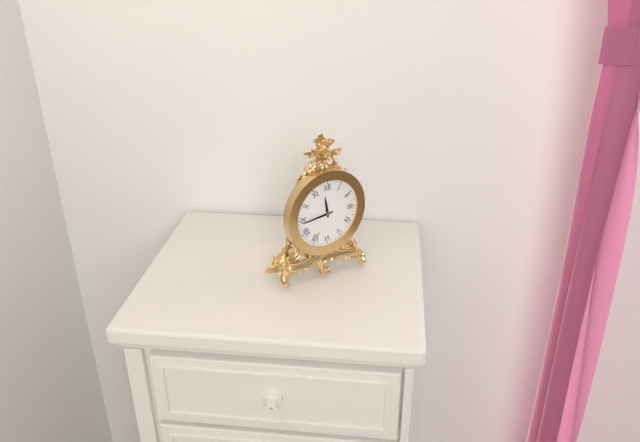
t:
11:44
